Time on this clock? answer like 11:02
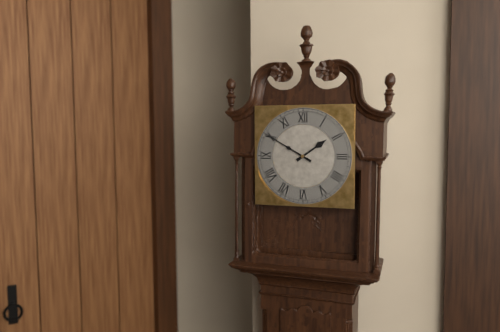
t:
1:50
